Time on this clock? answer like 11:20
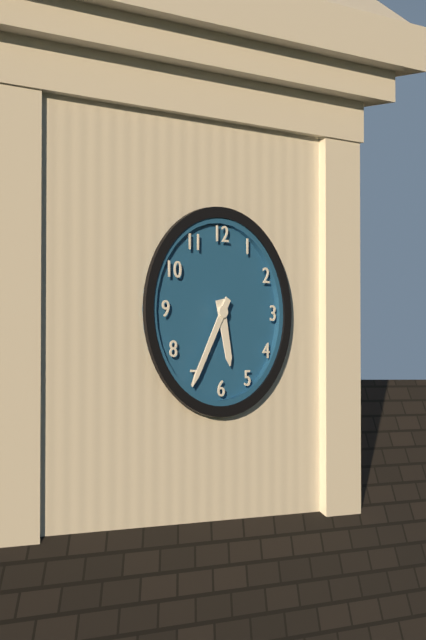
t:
5:35
